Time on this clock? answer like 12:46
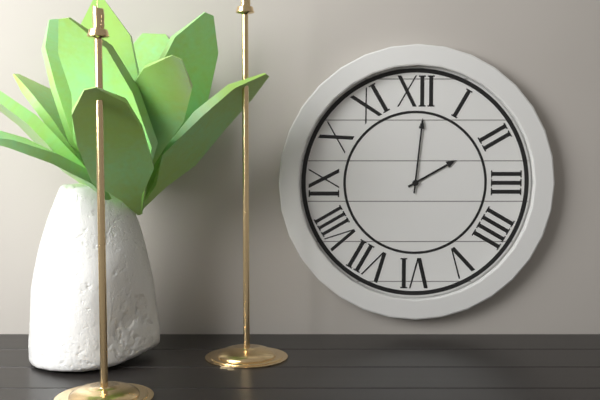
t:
2:01
